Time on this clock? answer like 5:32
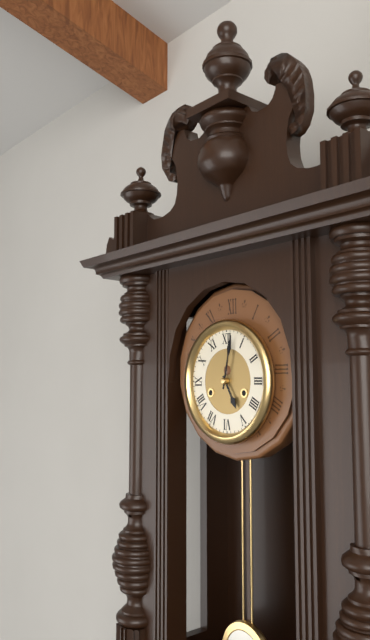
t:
5:02
